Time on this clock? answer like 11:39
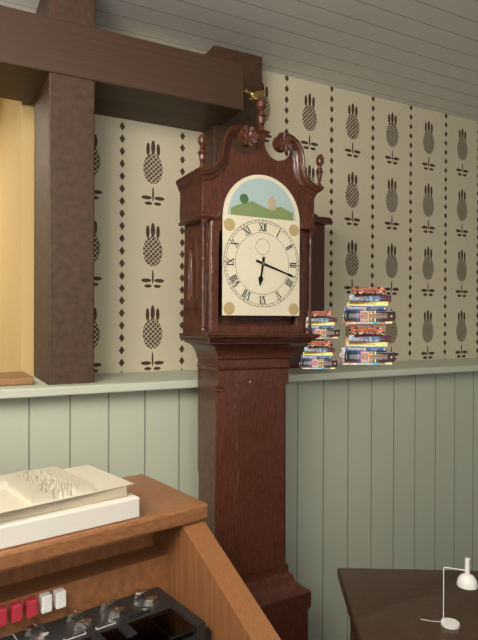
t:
6:18
